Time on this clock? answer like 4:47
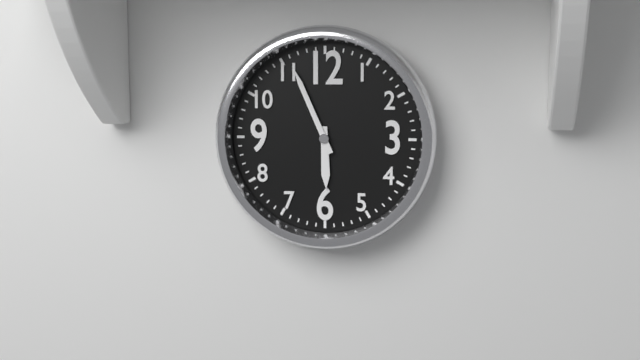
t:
5:56
